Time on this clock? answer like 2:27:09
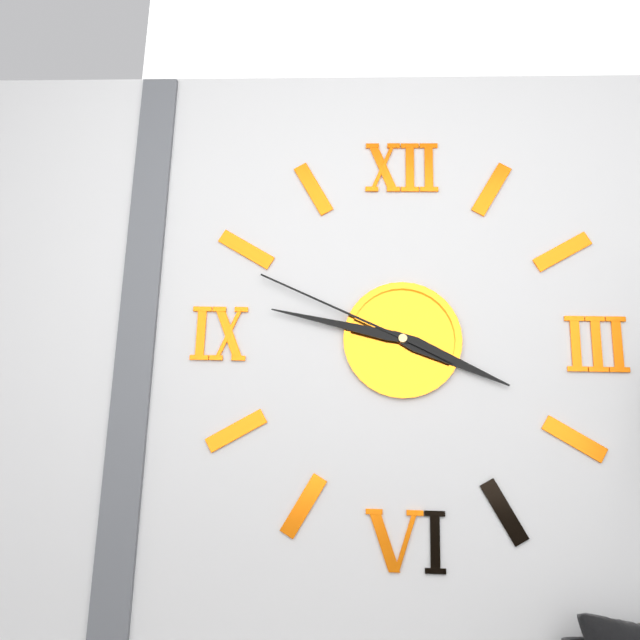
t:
3:47:49
